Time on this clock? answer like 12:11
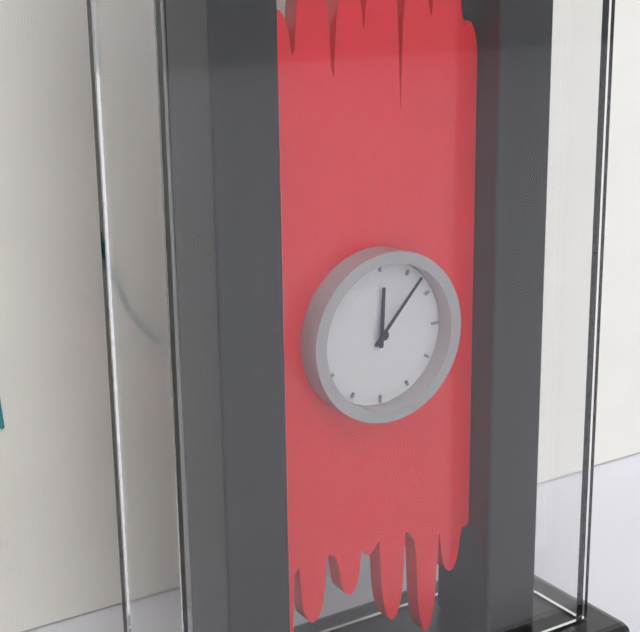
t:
12:07
